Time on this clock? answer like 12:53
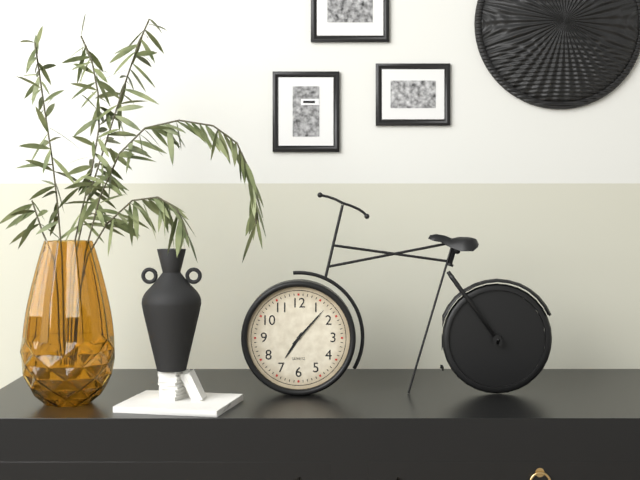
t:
7:07
